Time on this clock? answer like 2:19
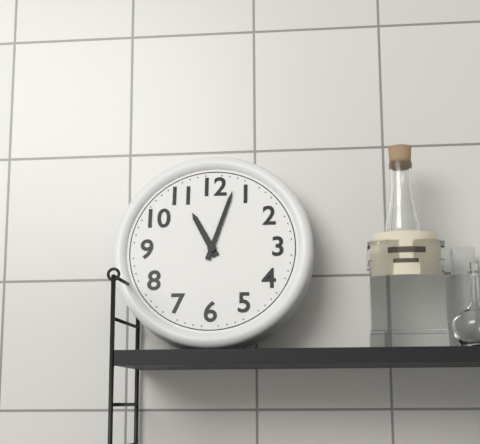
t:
11:03
